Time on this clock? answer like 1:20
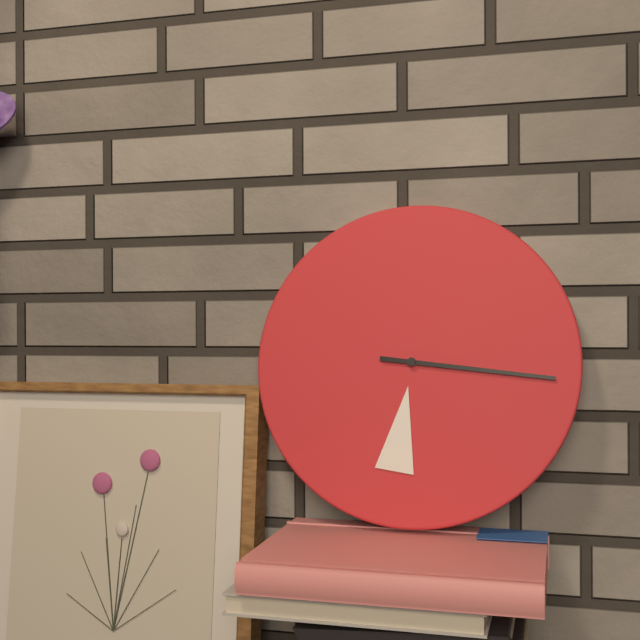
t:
6:16
